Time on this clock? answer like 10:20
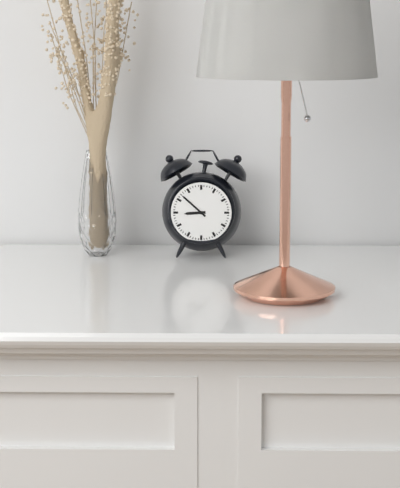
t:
8:52
